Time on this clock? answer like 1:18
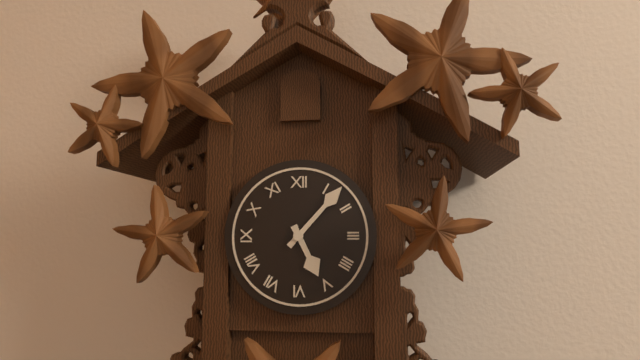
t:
5:07
